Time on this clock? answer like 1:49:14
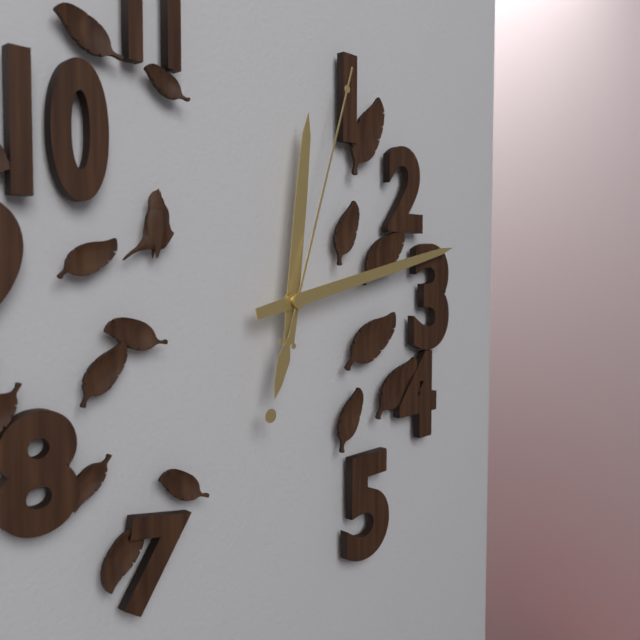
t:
12:13:03
